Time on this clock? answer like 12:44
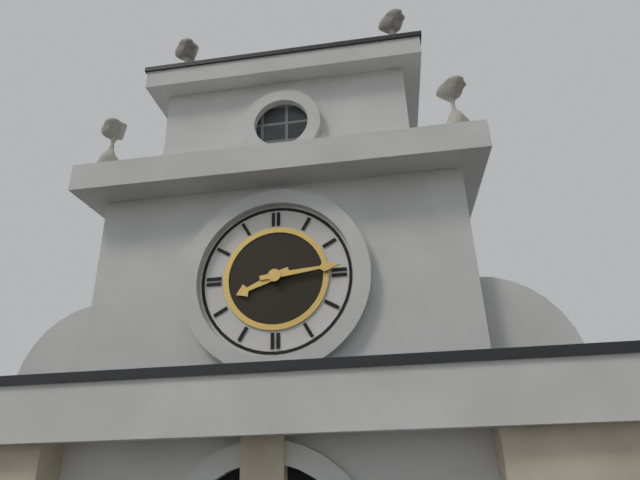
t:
8:14
